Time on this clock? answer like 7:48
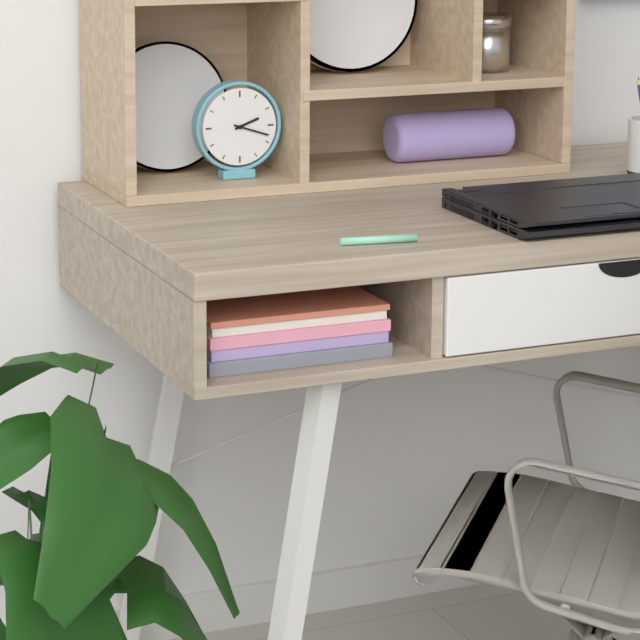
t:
2:18
